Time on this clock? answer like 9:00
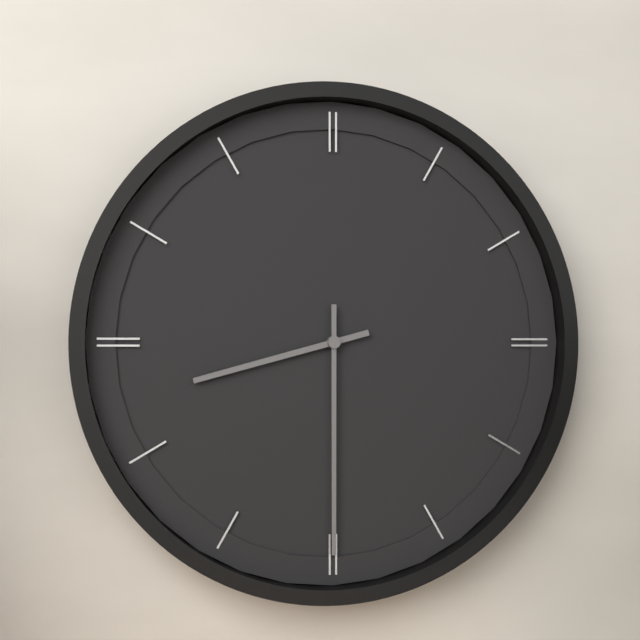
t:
8:30
